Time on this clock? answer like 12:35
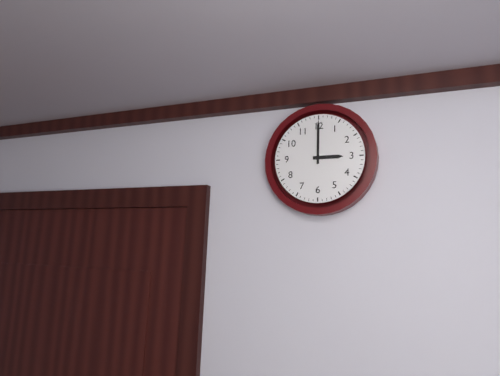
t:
3:00
